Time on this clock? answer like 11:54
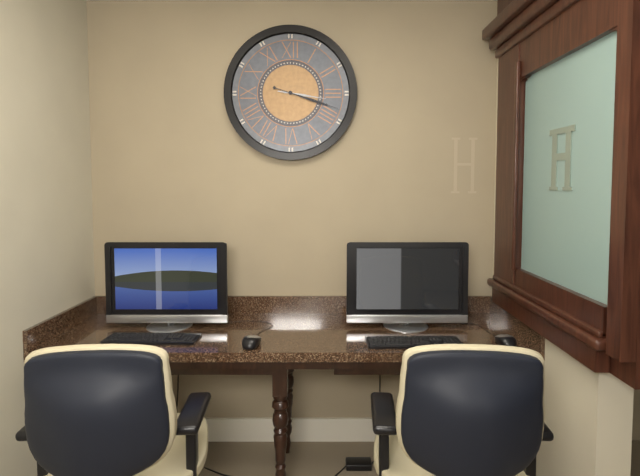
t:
3:18
